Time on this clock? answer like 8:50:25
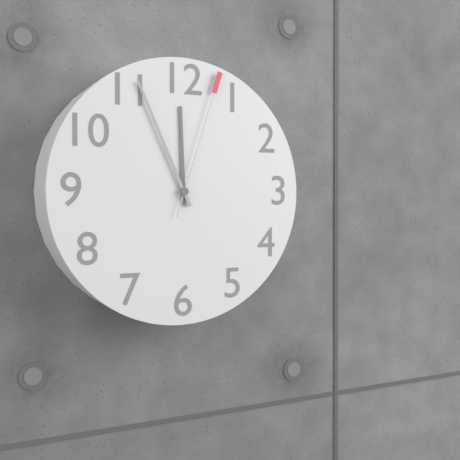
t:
11:56:03
